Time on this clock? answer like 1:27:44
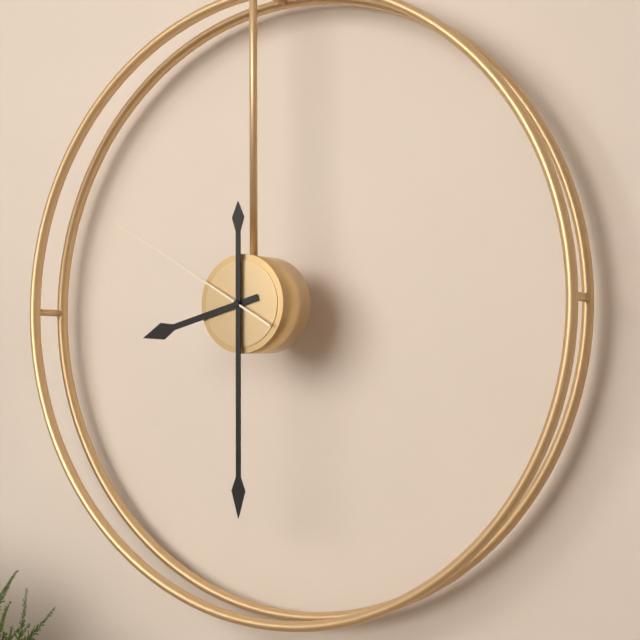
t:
8:30:50
